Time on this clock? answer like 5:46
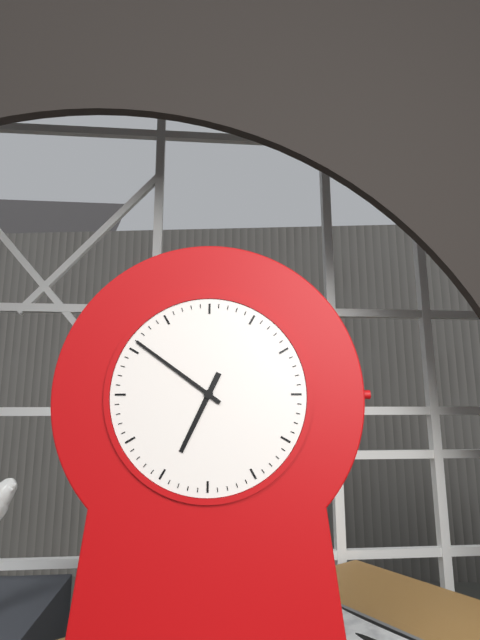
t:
6:51
